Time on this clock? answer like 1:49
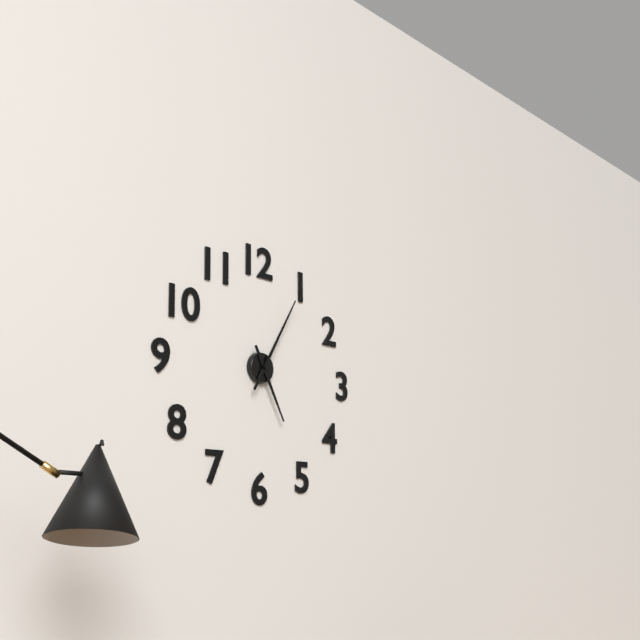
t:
5:05
